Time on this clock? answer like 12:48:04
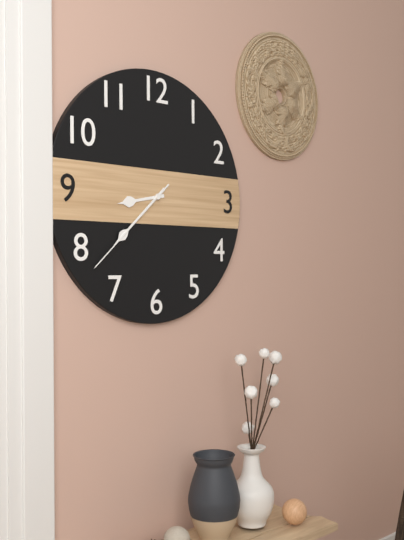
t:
8:38:38
